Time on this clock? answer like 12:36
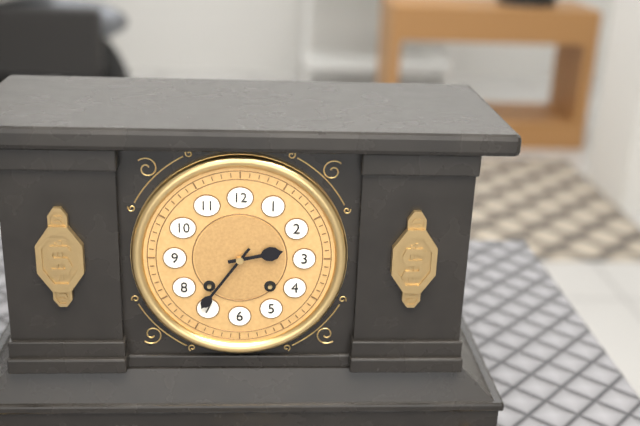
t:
2:36
